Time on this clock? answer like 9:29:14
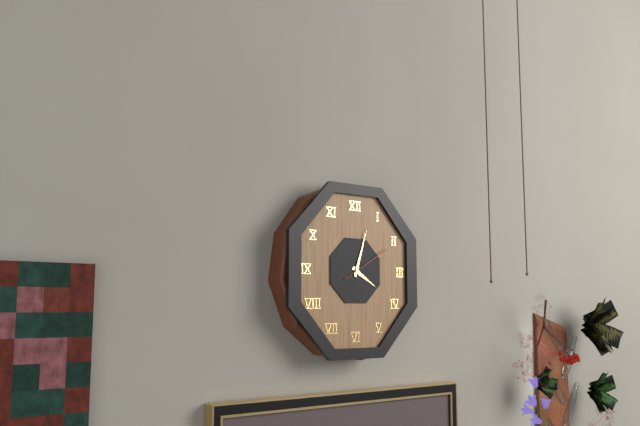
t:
4:03:10
